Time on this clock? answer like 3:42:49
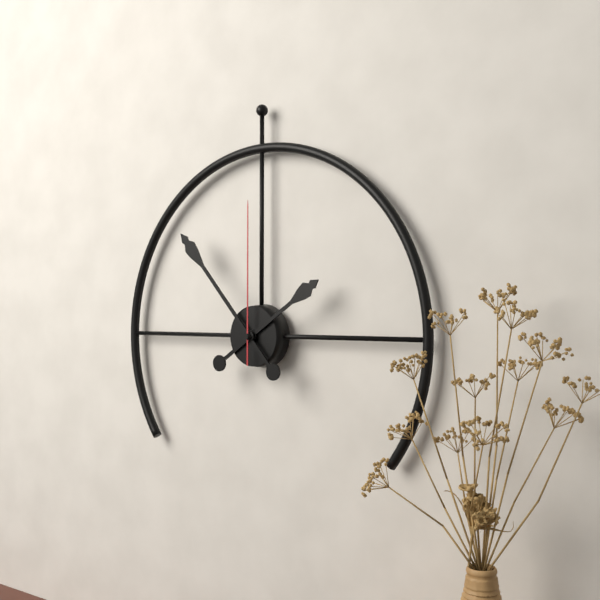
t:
1:53:00
